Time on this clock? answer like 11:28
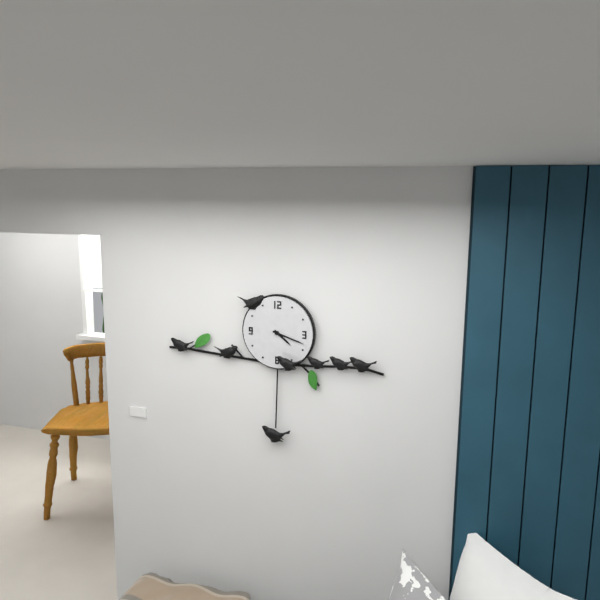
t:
4:18
